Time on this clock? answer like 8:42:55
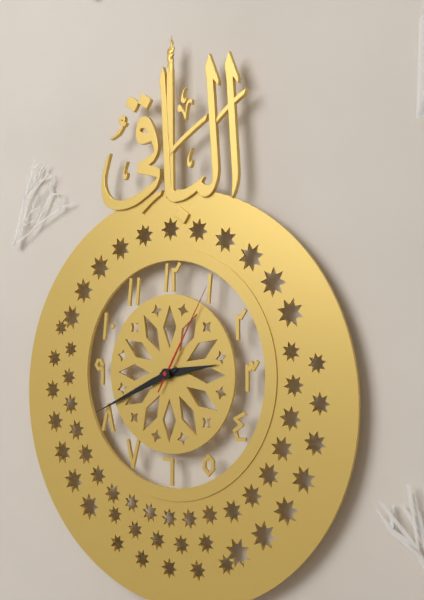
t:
2:41:05
